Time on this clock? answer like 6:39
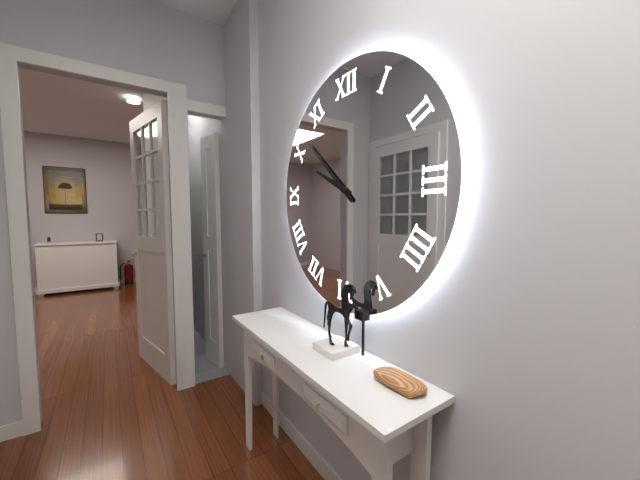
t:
9:52
